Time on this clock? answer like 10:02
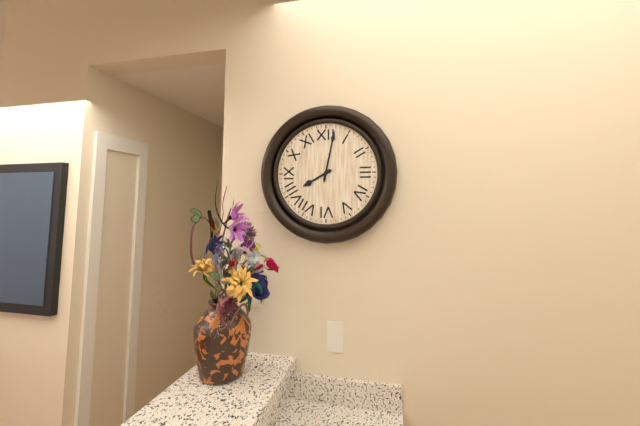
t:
8:02
